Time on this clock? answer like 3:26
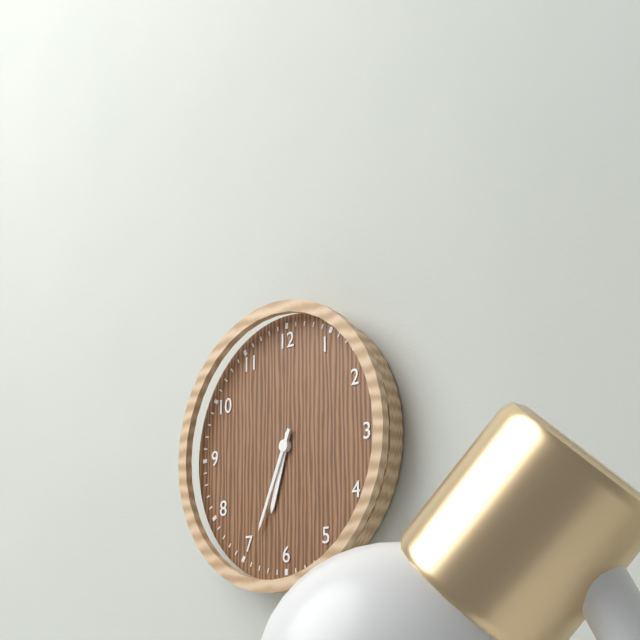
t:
6:34
